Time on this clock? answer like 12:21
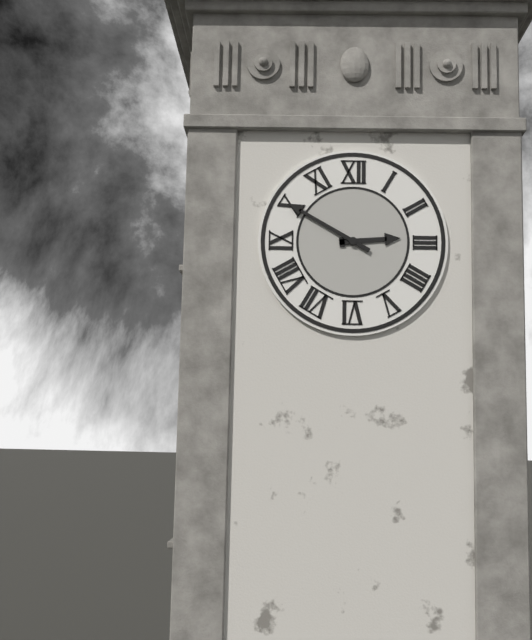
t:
2:50
